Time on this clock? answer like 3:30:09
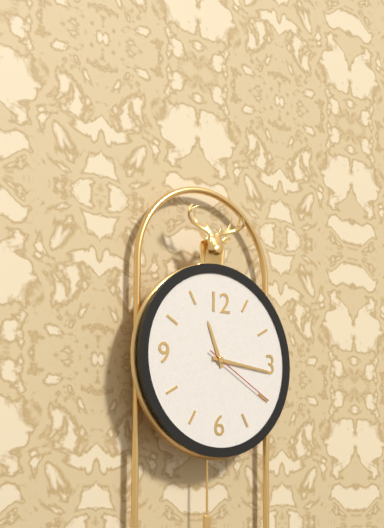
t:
11:16:20
